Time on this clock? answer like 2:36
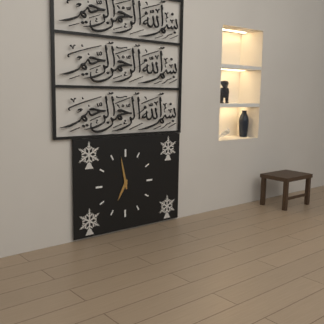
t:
6:58
